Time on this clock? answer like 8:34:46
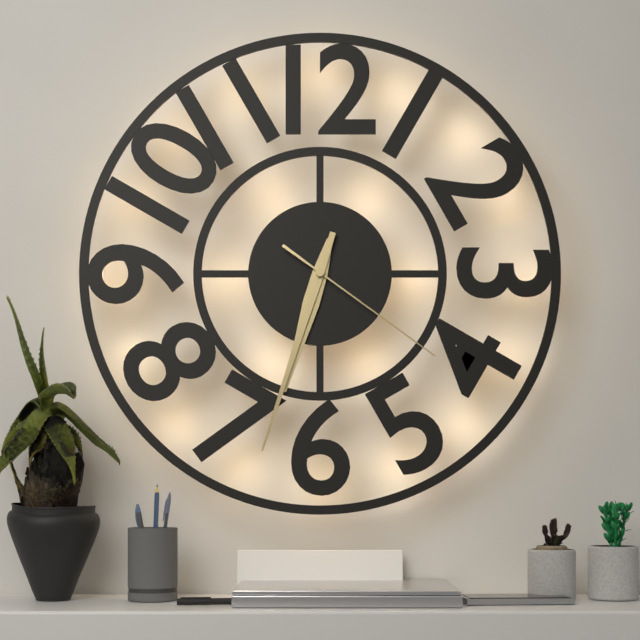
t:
6:33:21
